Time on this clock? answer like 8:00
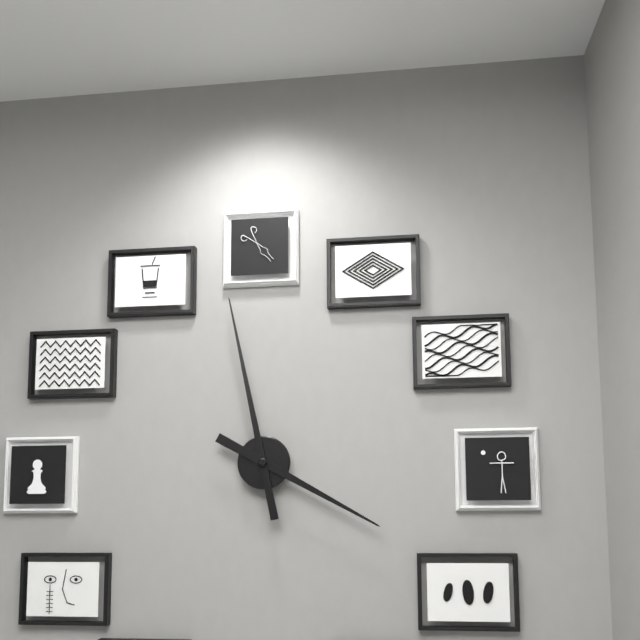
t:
3:58
